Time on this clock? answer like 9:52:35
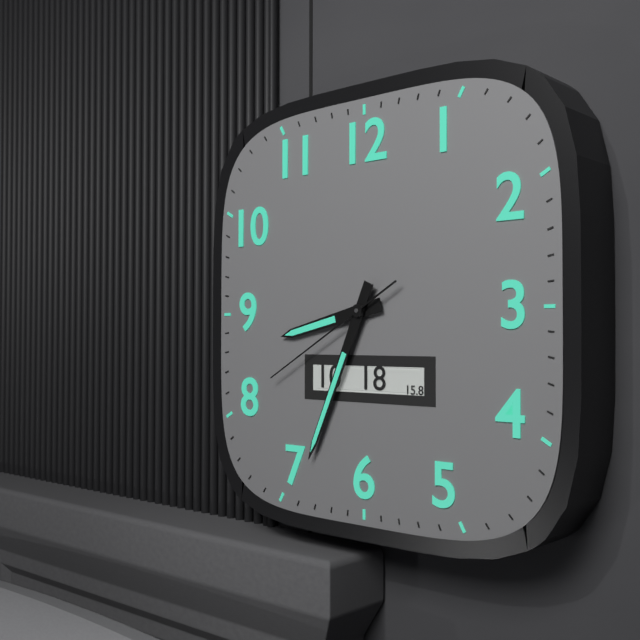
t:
8:34:40
